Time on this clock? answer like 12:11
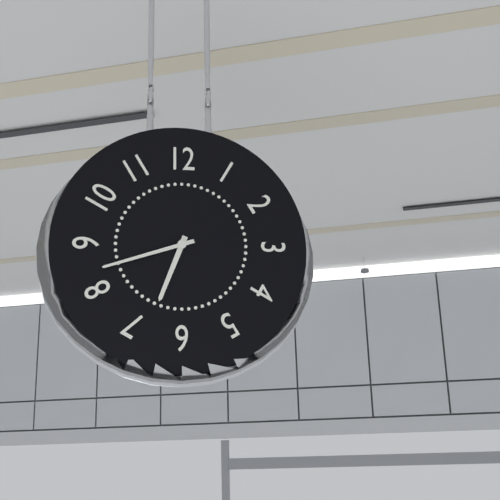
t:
6:42
